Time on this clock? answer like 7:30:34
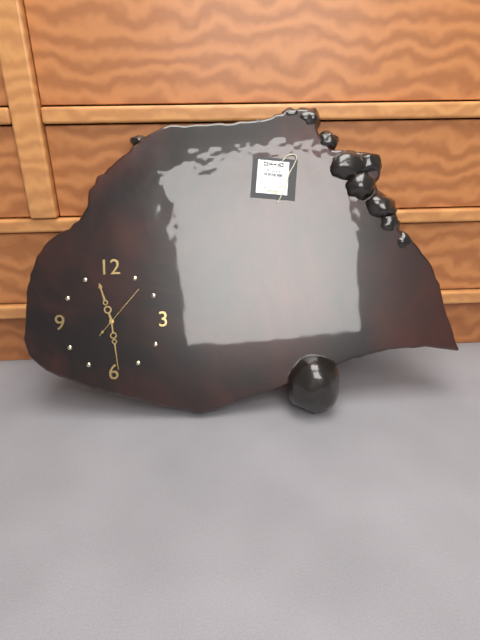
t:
11:29:07
